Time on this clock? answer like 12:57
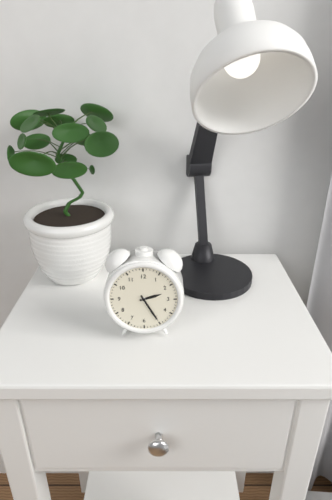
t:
2:25
